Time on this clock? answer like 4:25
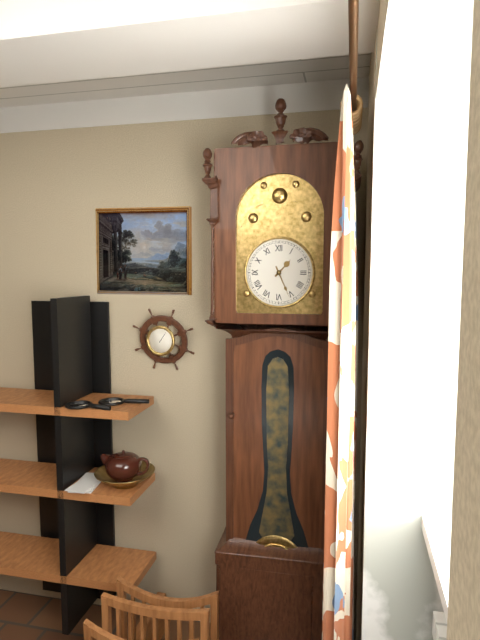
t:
1:26
